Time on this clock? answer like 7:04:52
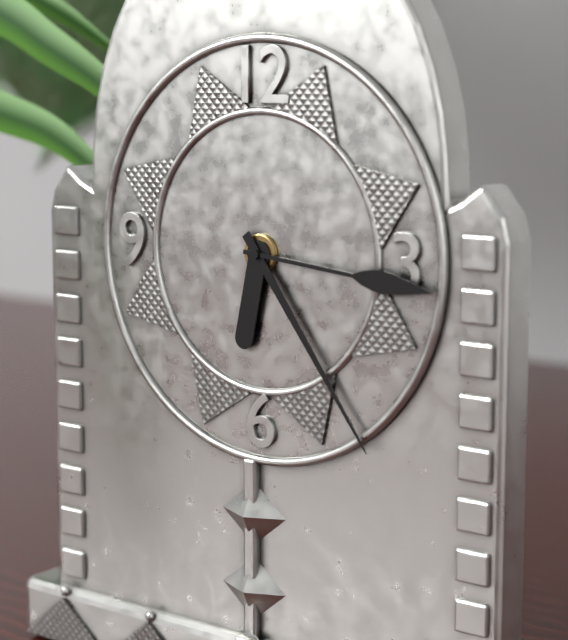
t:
6:24:16
